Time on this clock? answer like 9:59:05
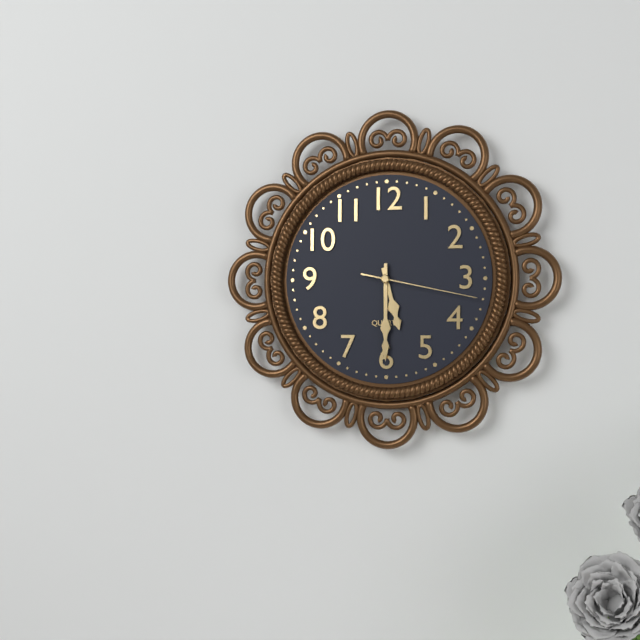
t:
5:30:17
